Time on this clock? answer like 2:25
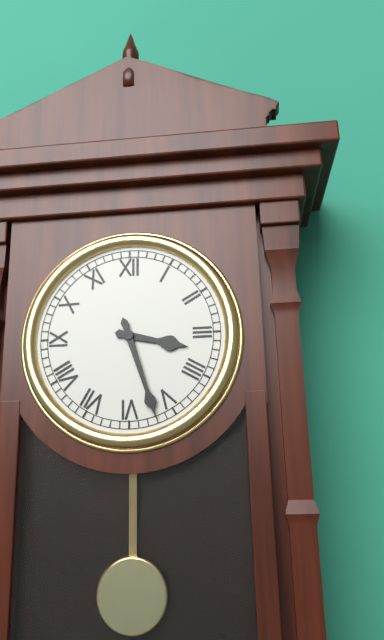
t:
3:27
